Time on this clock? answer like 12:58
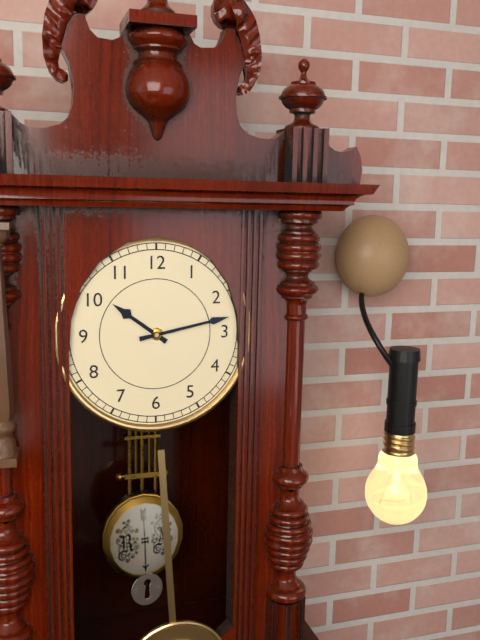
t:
10:13
